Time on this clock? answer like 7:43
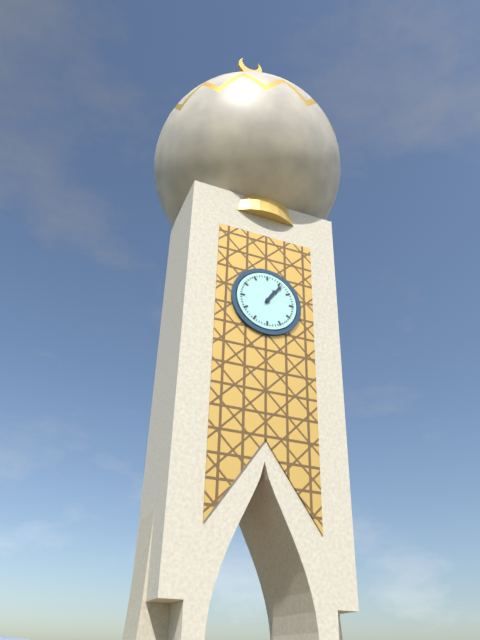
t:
1:06
